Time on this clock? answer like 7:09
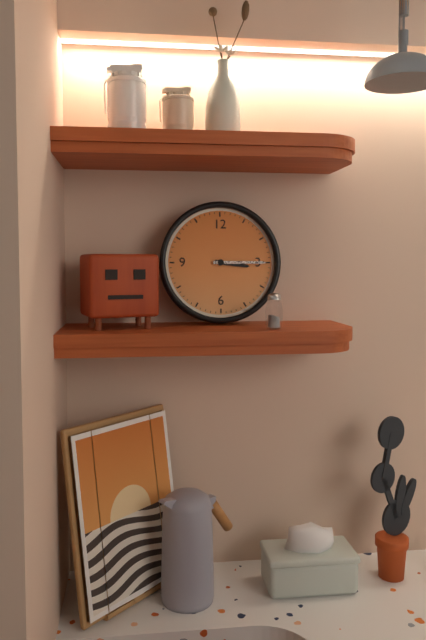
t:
3:15
